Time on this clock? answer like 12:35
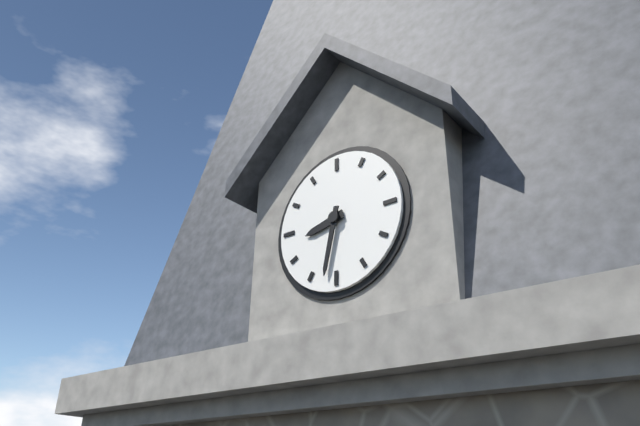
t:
8:32
